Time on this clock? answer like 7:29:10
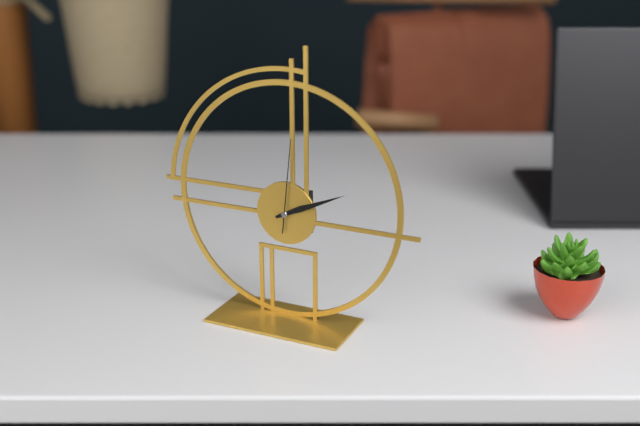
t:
2:11:01
